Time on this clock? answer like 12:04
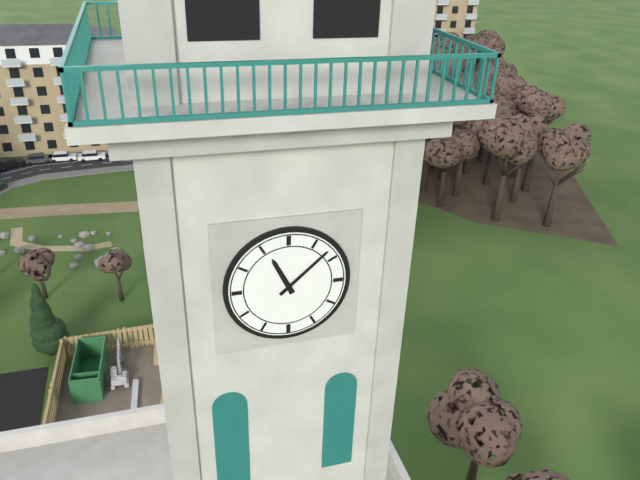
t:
11:08
